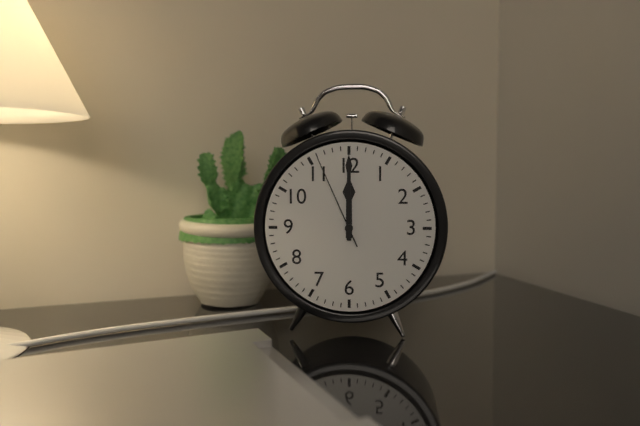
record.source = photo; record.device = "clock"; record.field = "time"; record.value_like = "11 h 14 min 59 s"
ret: 12 h 00 min 56 s
